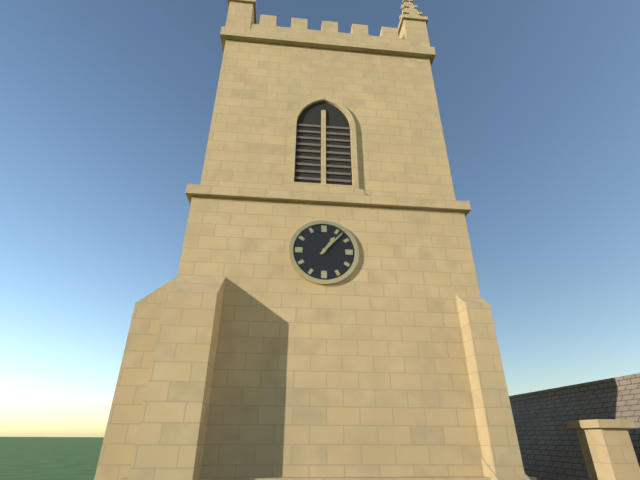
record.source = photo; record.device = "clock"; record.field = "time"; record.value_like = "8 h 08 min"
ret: 1 h 07 min
